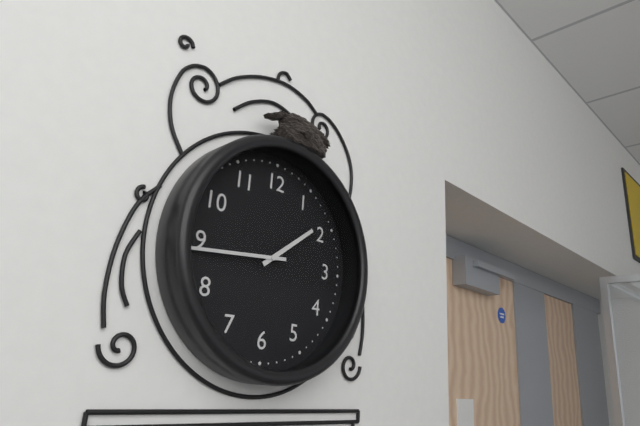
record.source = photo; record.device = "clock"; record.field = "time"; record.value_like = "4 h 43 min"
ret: 1 h 44 min
